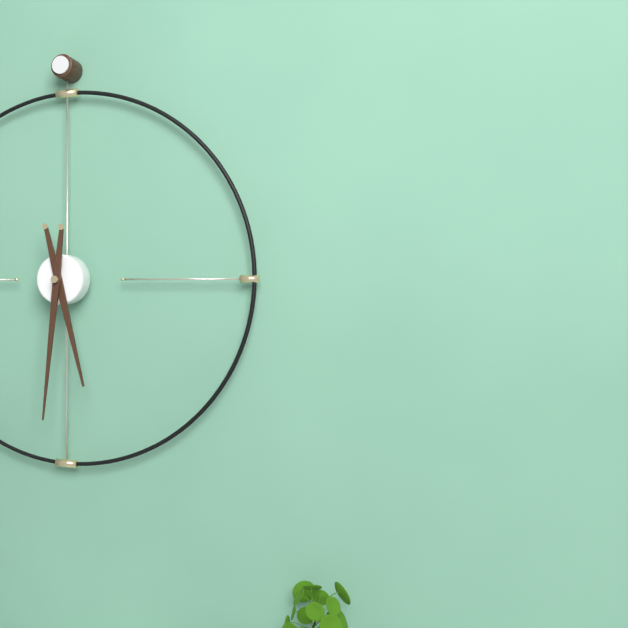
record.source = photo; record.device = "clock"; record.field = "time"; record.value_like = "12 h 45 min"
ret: 5 h 31 min
